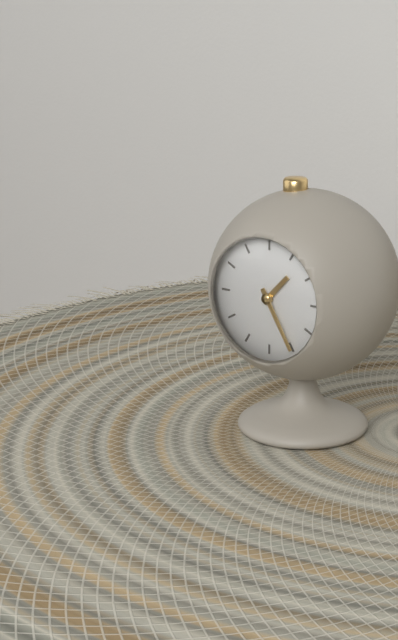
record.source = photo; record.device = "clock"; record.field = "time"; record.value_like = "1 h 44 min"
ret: 1 h 25 min
